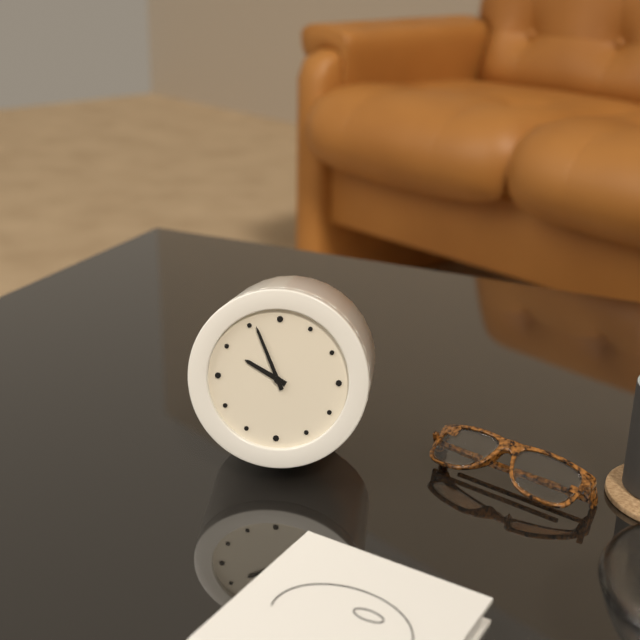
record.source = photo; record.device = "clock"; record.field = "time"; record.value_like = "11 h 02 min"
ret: 9 h 56 min
